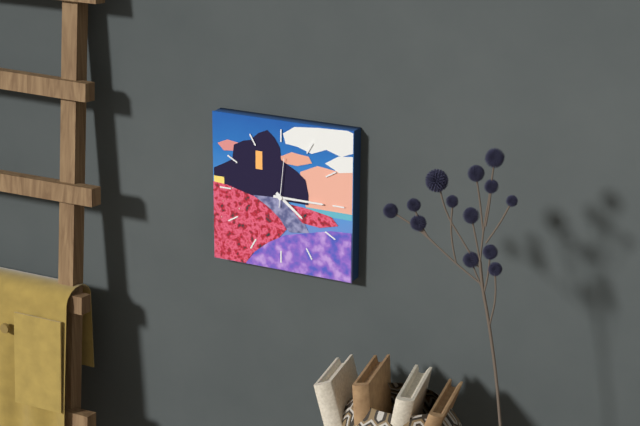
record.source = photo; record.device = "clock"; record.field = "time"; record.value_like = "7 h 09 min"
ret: 4 h 15 min
